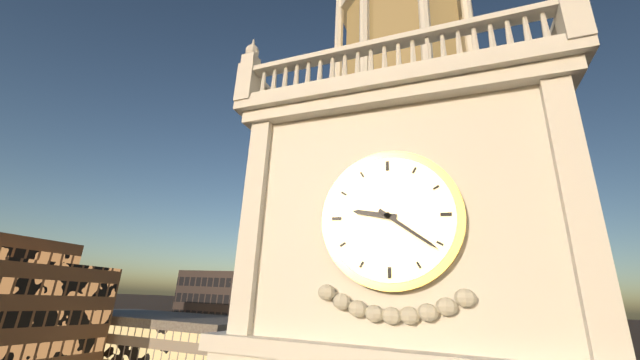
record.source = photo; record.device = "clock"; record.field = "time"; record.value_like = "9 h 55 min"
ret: 9 h 21 min
